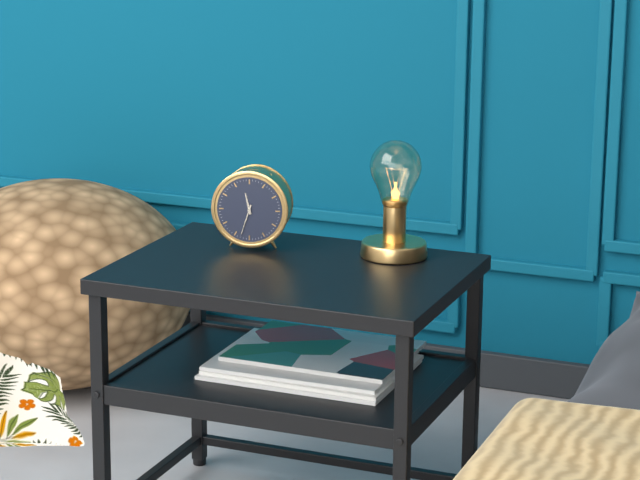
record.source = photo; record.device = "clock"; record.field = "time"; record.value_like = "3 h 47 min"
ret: 11 h 33 min
